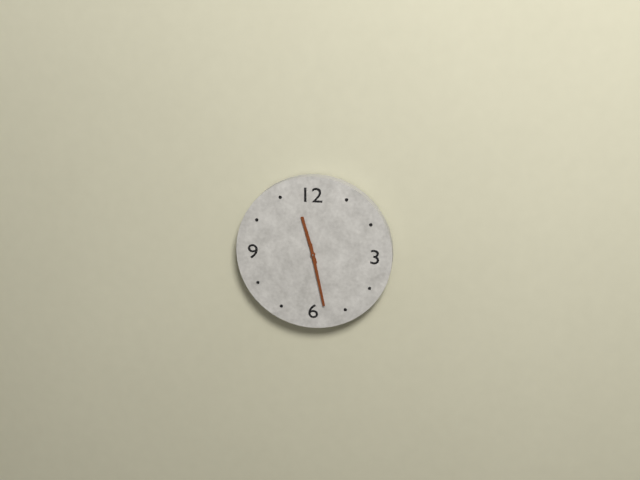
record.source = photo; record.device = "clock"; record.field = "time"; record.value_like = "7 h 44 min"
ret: 11 h 28 min
